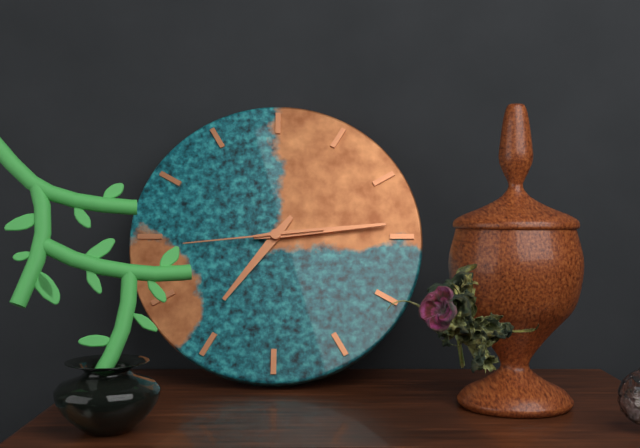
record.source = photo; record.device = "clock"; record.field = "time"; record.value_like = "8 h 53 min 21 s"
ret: 7 h 14 min 44 s
